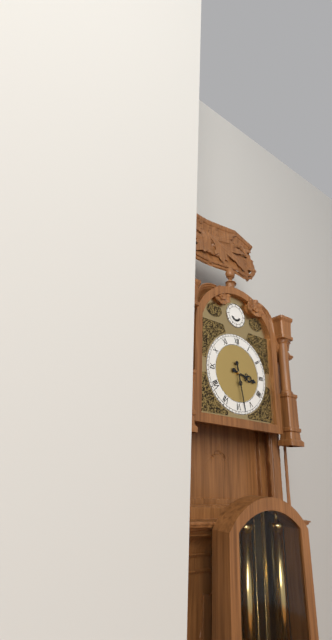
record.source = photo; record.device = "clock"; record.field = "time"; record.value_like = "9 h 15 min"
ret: 3 h 28 min
